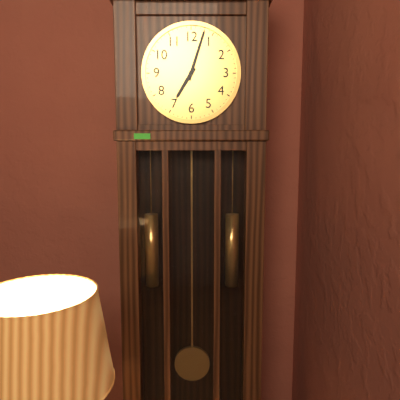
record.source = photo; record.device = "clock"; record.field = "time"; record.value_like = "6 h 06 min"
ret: 7 h 03 min
